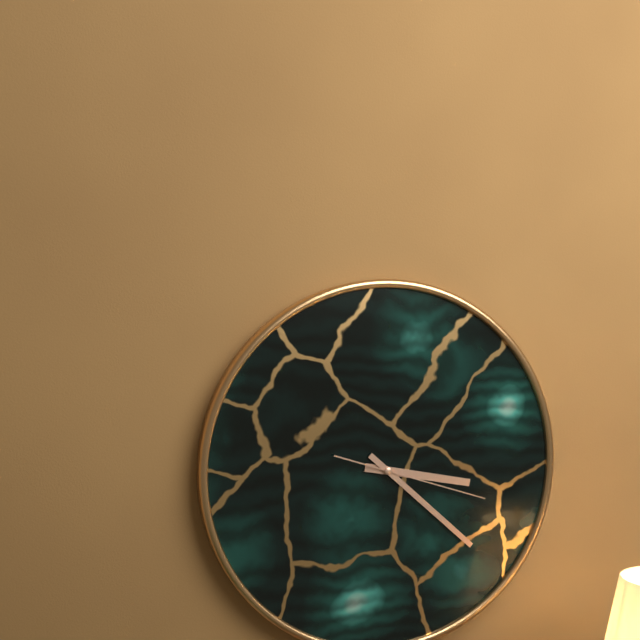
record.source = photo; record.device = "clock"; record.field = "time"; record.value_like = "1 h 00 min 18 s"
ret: 3 h 22 min 18 s
